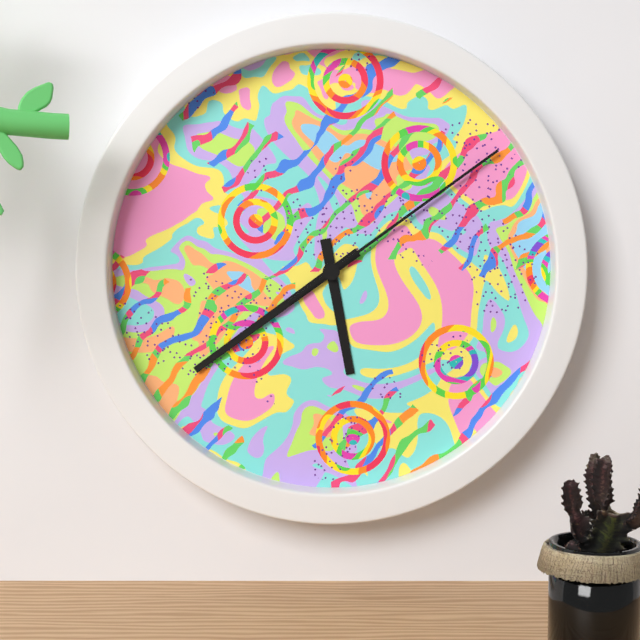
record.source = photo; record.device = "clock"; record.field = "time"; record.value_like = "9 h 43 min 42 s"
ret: 5 h 39 min 09 s
